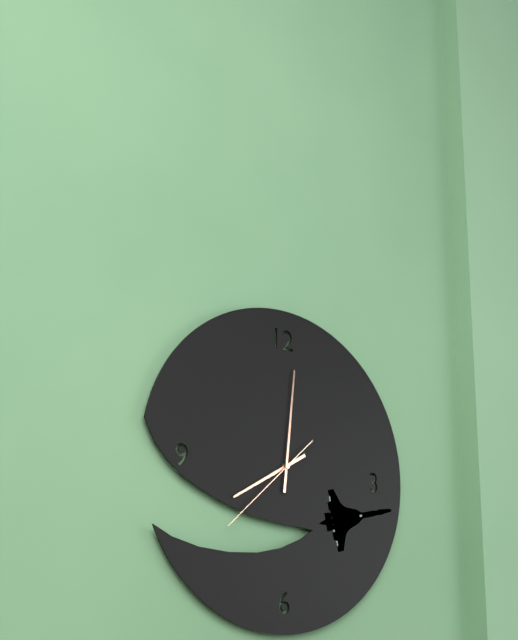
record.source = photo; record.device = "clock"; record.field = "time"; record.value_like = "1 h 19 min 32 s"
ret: 8 h 01 min 38 s
